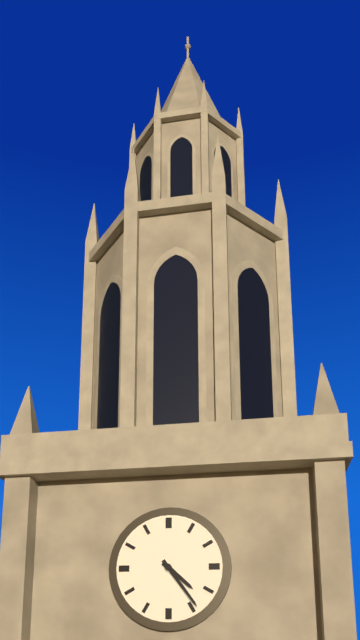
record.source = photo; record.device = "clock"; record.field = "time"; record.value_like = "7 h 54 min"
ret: 4 h 24 min
